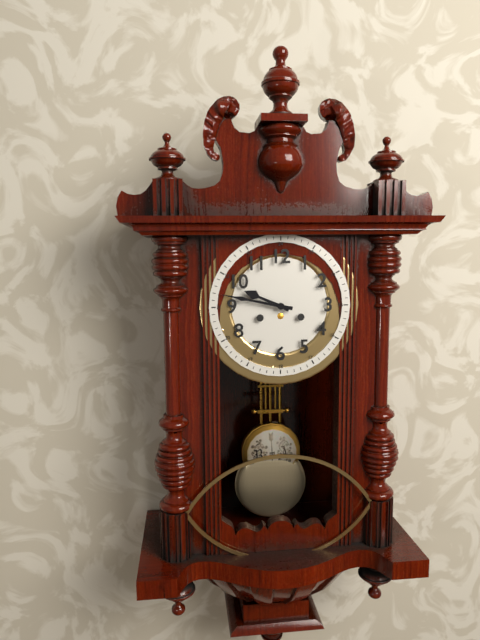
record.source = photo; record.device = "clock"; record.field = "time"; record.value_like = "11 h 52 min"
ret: 9 h 47 min
